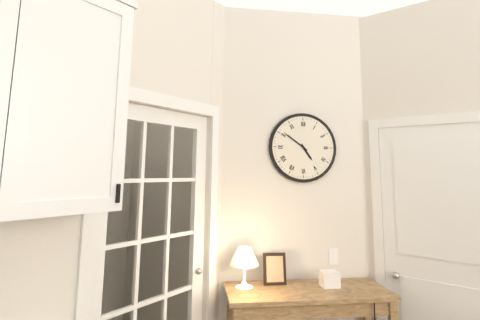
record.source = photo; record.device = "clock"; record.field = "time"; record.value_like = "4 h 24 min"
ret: 4 h 51 min
